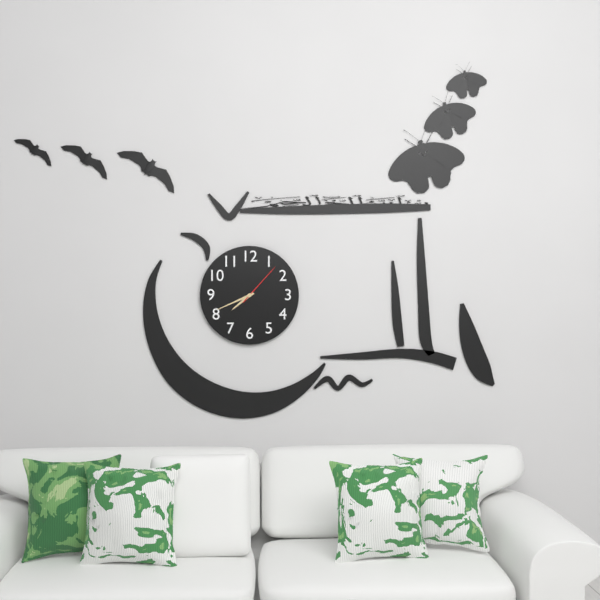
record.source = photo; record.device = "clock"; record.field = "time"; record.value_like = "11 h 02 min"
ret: 7 h 41 min
